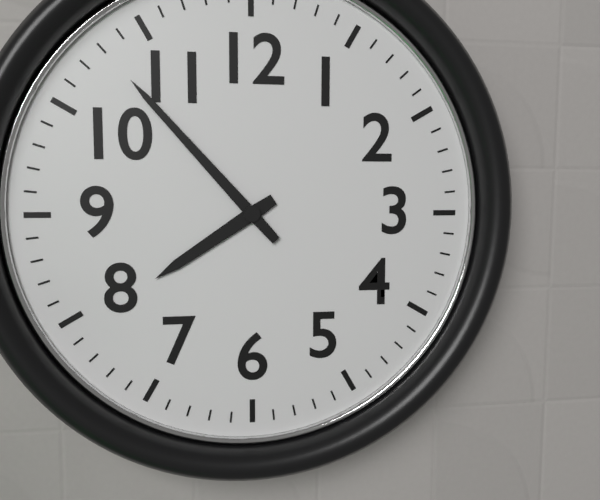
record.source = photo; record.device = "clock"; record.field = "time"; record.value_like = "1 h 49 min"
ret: 7 h 53 min
